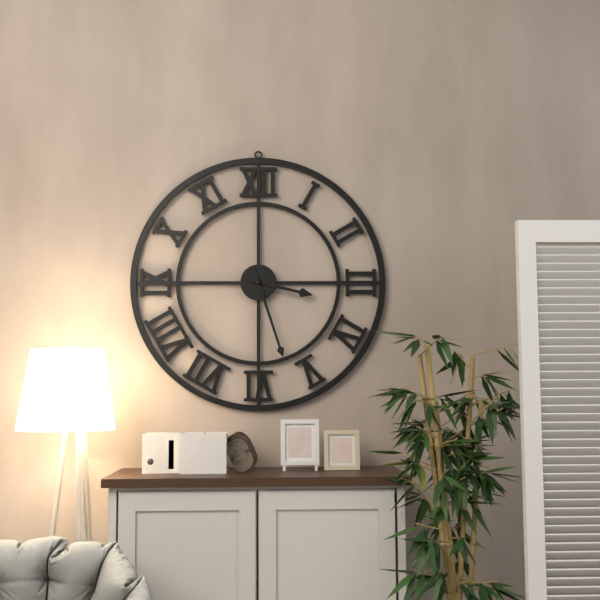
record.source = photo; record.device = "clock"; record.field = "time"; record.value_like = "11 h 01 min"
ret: 3 h 27 min
